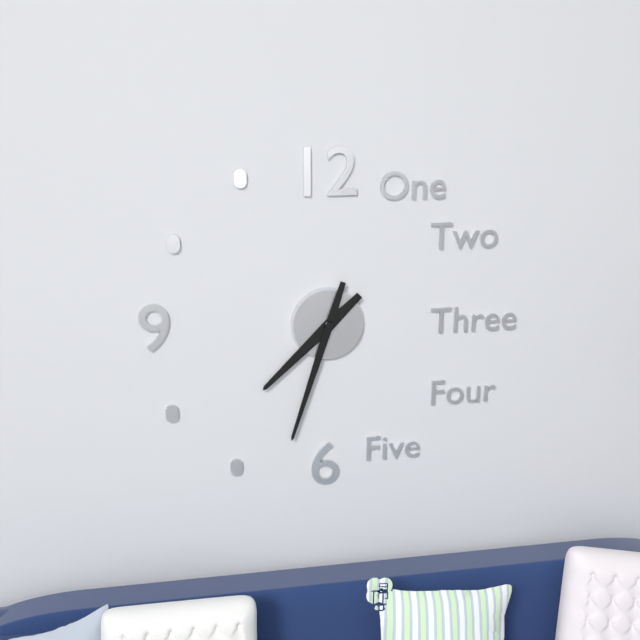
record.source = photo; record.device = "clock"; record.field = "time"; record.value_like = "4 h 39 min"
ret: 7 h 33 min
